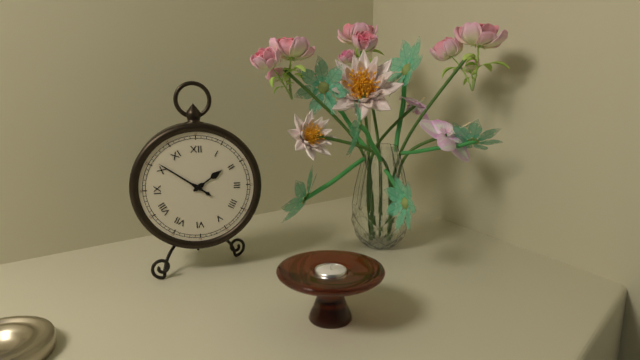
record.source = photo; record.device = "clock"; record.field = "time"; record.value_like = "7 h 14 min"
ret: 1 h 51 min
